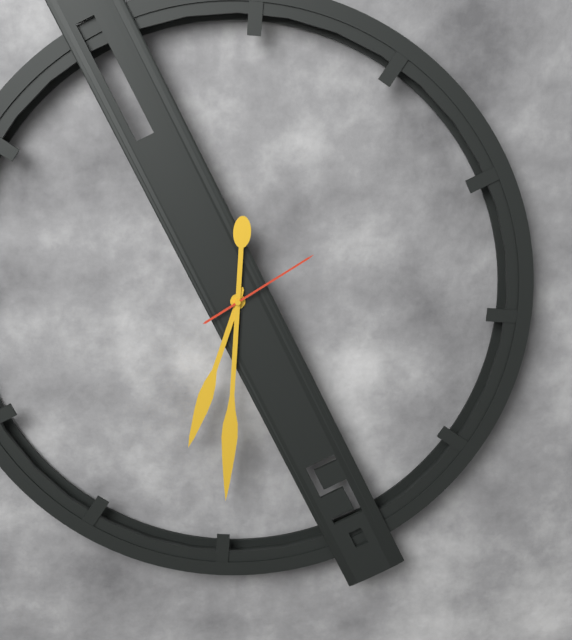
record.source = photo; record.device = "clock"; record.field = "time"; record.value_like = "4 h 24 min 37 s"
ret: 6 h 30 min 09 s
